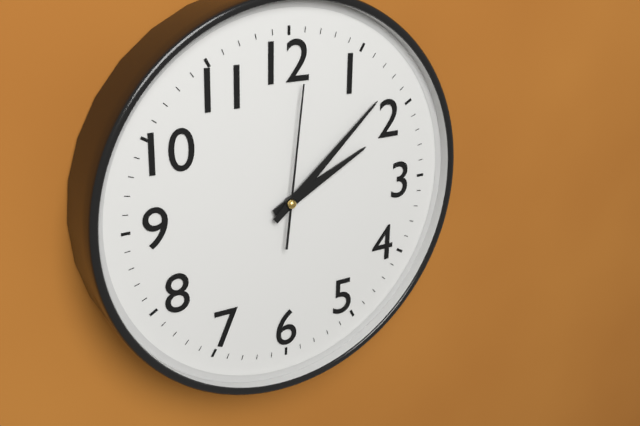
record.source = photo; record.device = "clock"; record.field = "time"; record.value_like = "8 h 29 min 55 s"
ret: 2 h 08 min 01 s
